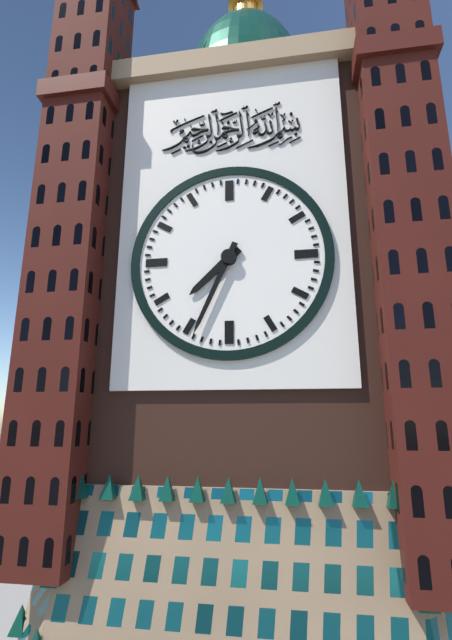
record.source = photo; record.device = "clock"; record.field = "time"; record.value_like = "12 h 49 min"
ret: 7 h 34 min
